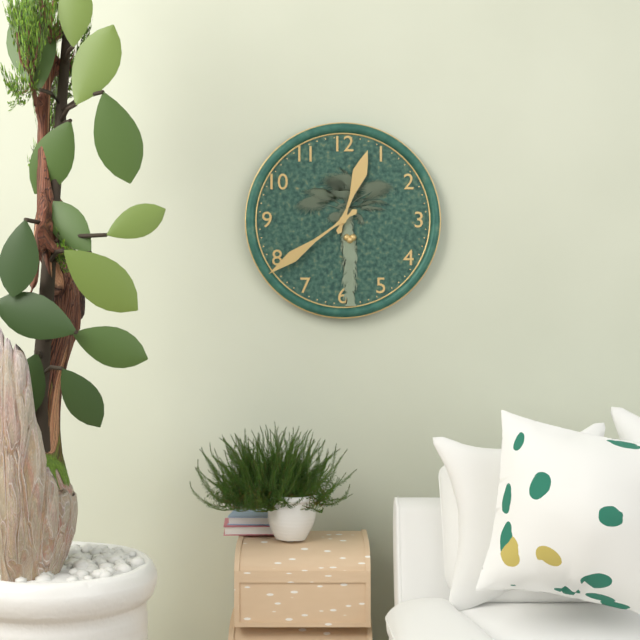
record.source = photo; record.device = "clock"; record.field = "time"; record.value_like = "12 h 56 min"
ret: 12 h 39 min
